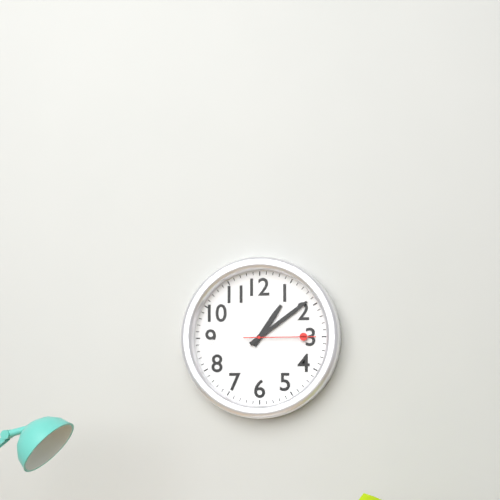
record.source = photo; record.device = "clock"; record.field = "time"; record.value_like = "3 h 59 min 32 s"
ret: 1 h 09 min 15 s
